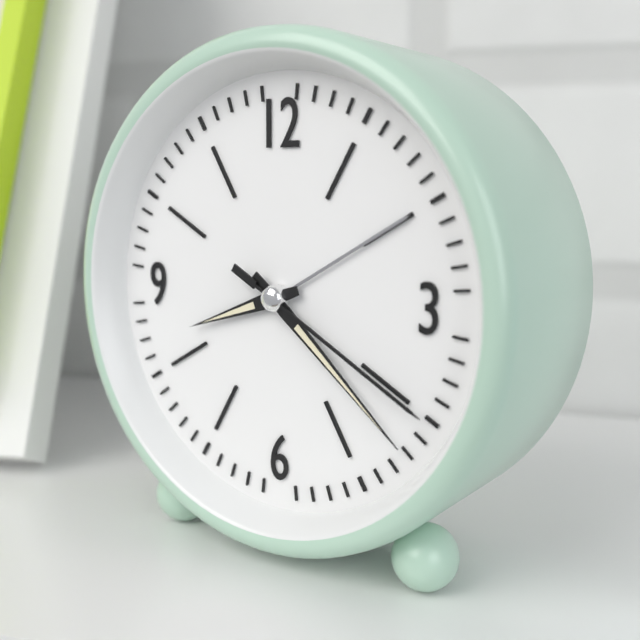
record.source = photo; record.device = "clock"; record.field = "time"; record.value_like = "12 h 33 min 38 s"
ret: 8 h 22 min 20 s
